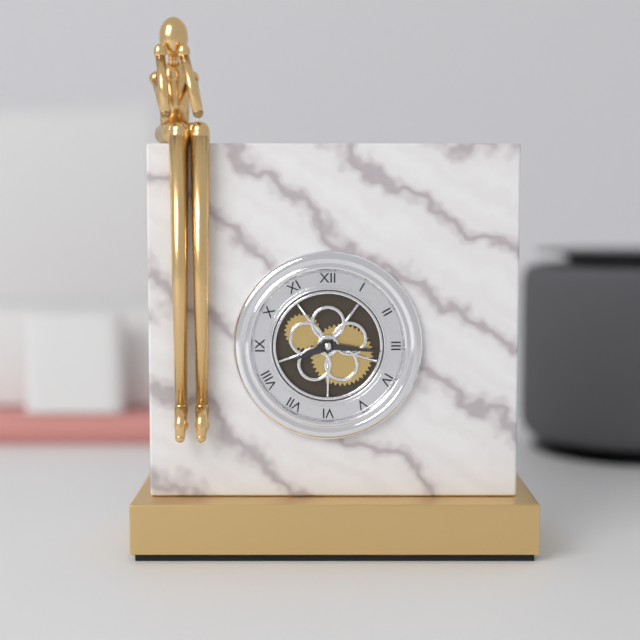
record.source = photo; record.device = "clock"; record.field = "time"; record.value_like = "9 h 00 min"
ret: 8 h 16 min
